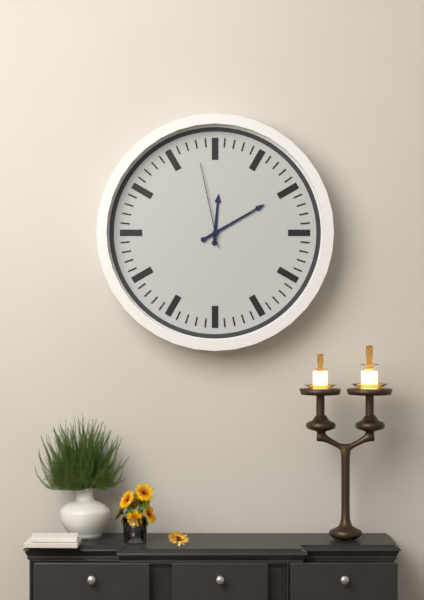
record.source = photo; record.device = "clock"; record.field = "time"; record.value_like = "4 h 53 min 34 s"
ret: 12 h 10 min 58 s
